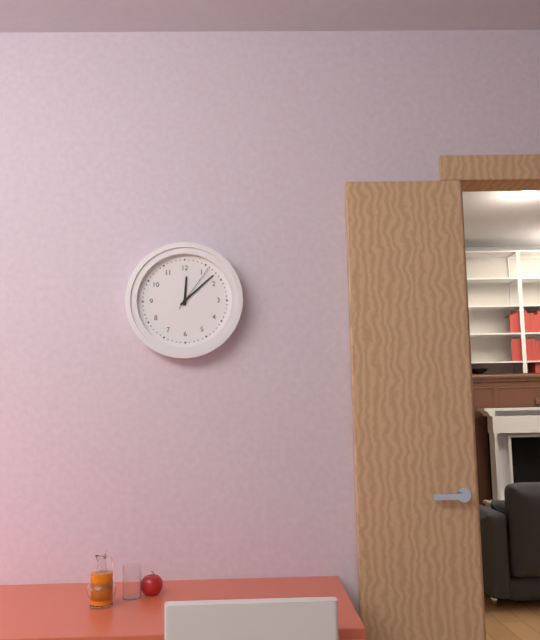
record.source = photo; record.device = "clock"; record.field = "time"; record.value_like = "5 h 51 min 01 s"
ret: 12 h 08 min 06 s
